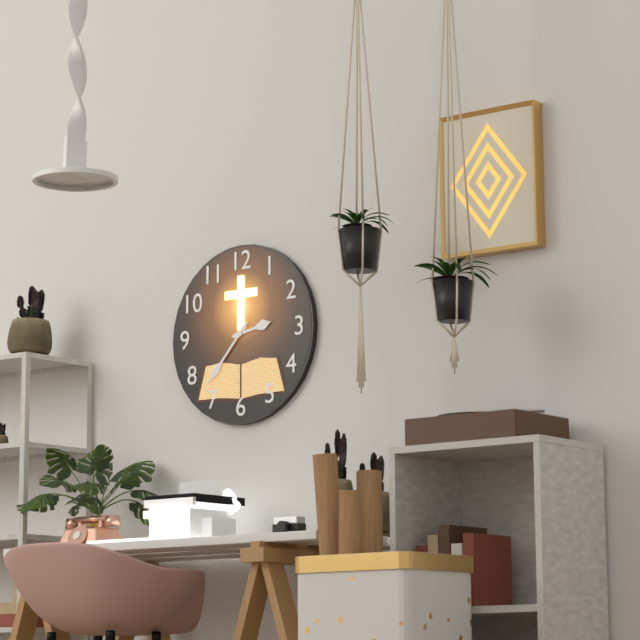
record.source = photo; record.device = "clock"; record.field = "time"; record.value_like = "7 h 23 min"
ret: 2 h 37 min
